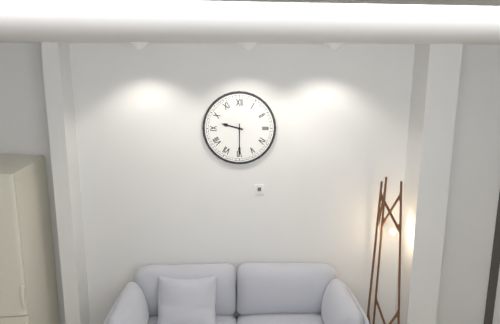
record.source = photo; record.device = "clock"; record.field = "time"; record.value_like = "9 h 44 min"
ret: 9 h 30 min
